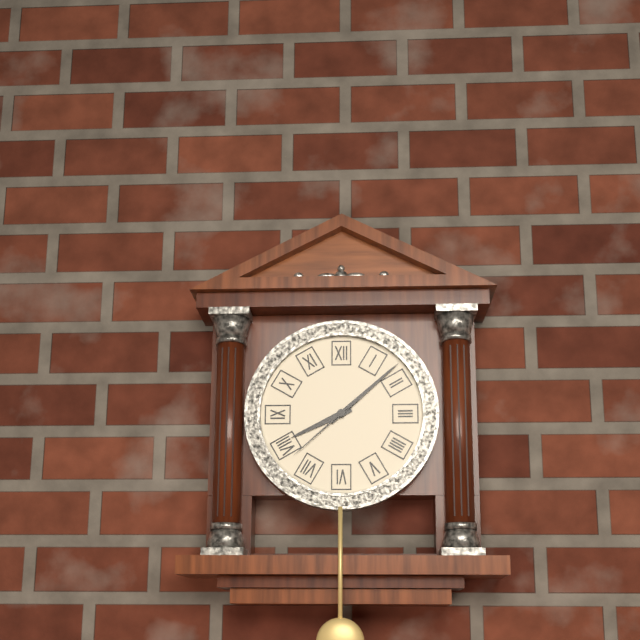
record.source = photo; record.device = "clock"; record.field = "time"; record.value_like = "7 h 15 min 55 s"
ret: 8 h 08 min 38 s
